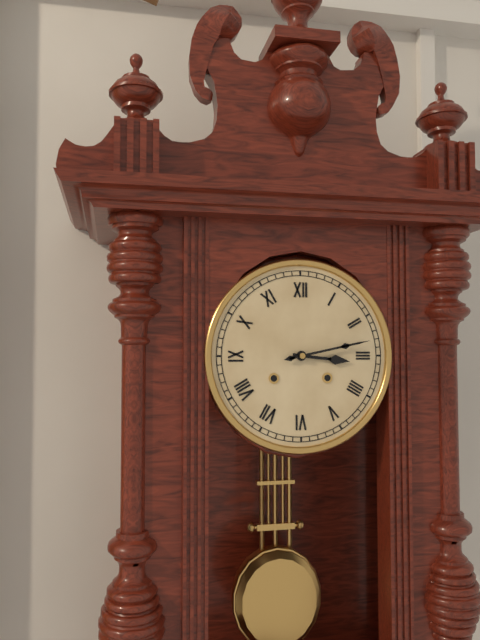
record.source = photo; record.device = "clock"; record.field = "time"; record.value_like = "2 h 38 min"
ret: 3 h 13 min
